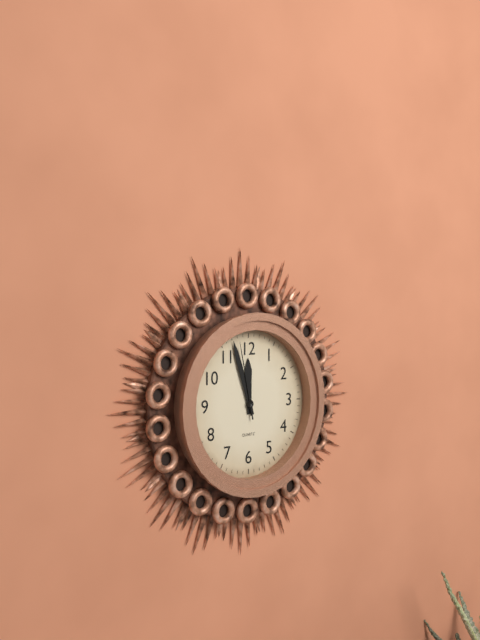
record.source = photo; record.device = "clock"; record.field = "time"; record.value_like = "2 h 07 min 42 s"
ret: 11 h 57 min 58 s
